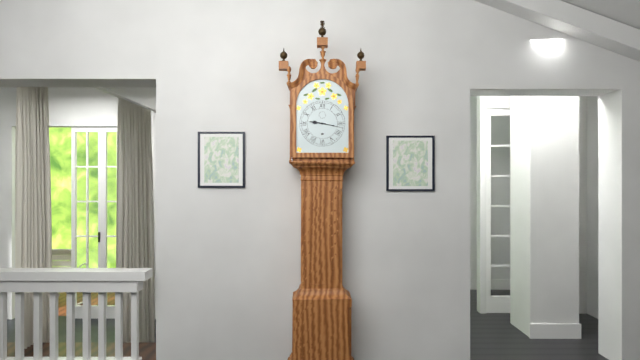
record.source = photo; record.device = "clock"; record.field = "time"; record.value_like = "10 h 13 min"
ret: 9 h 17 min
